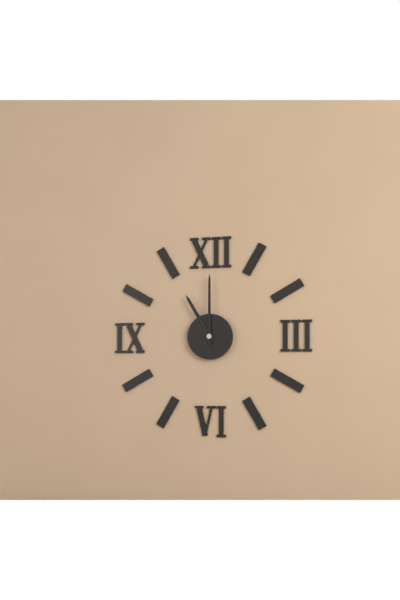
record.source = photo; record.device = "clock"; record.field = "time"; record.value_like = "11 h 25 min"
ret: 11 h 00 min
